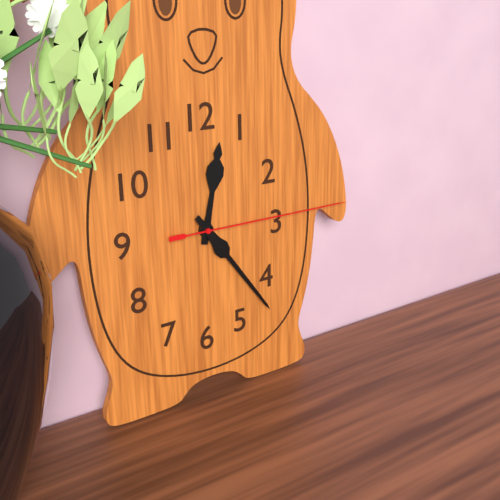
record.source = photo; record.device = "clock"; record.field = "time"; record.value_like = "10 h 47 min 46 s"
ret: 12 h 24 min 15 s
